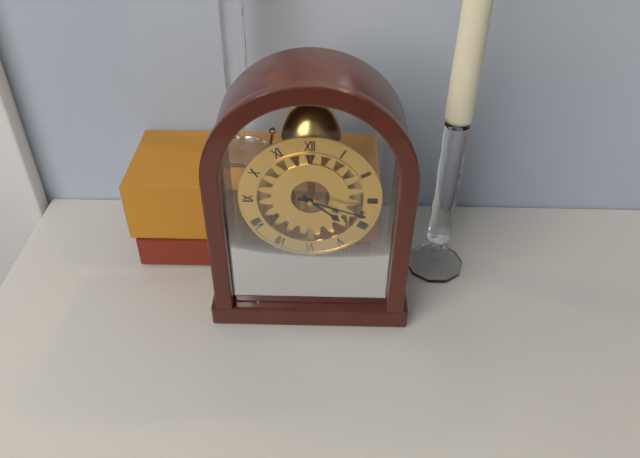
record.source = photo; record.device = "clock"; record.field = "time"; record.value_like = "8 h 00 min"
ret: 4 h 18 min
